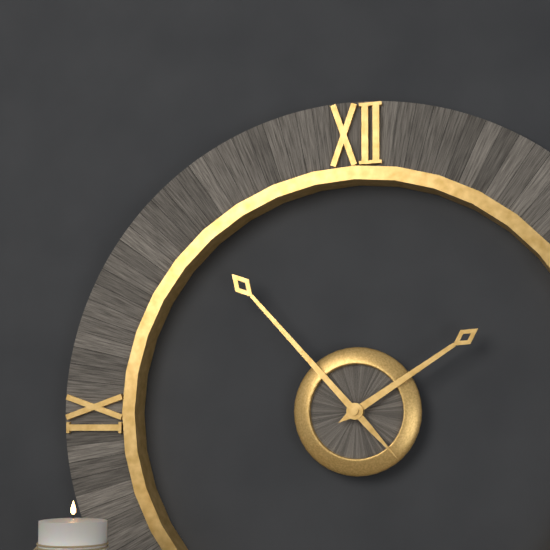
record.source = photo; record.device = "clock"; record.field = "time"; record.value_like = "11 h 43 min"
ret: 1 h 53 min
